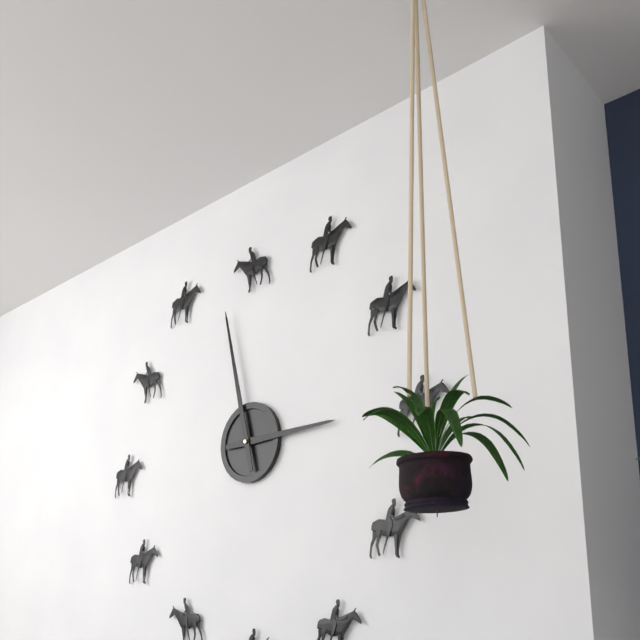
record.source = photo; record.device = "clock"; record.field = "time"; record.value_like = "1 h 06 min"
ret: 2 h 58 min
